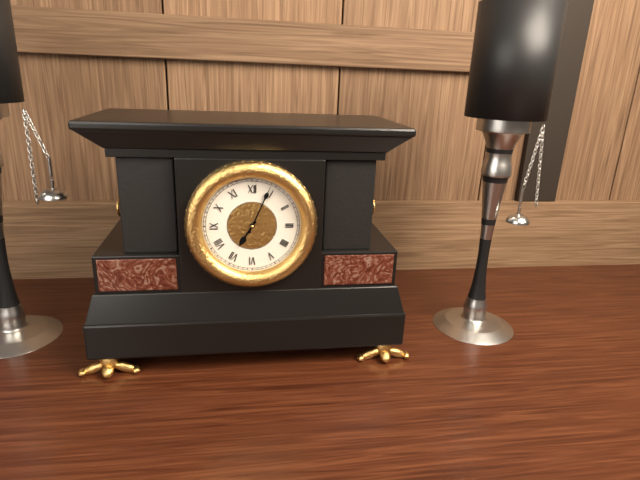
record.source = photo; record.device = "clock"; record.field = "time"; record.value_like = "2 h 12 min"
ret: 7 h 04 min
